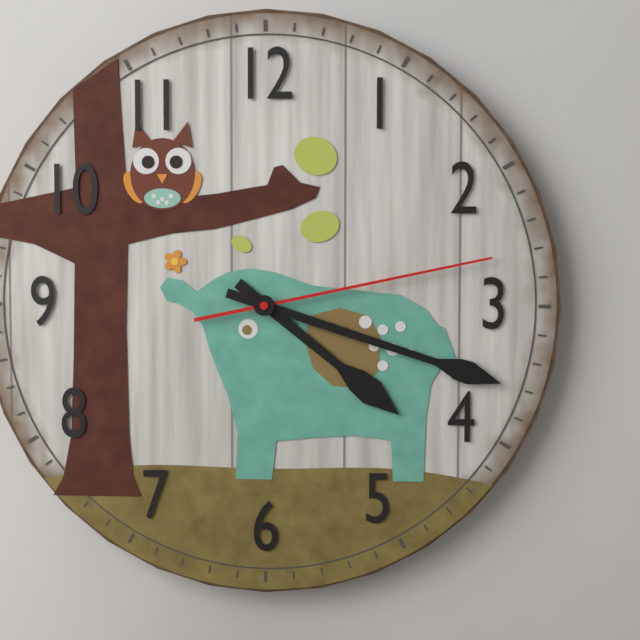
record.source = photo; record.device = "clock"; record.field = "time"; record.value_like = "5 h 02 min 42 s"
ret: 4 h 18 min 13 s
